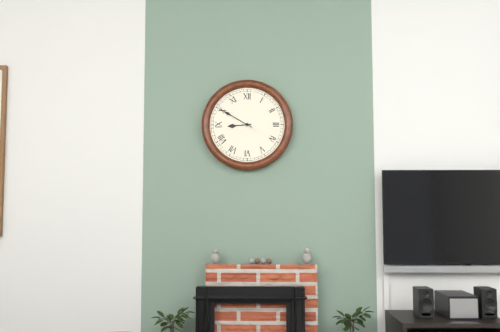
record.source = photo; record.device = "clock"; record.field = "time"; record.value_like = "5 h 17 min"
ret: 8 h 50 min
